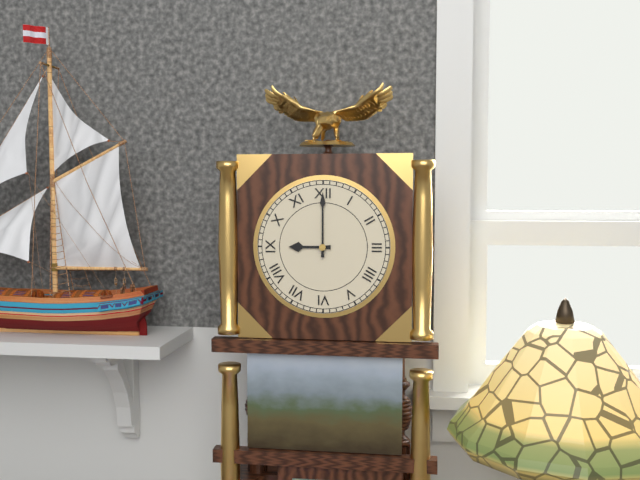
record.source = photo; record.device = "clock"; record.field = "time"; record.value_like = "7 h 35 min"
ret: 9 h 00 min
